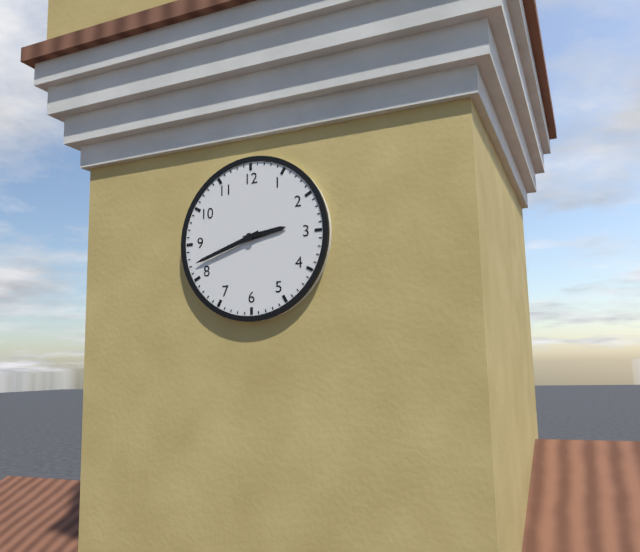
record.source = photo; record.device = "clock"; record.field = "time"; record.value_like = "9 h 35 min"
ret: 2 h 42 min
